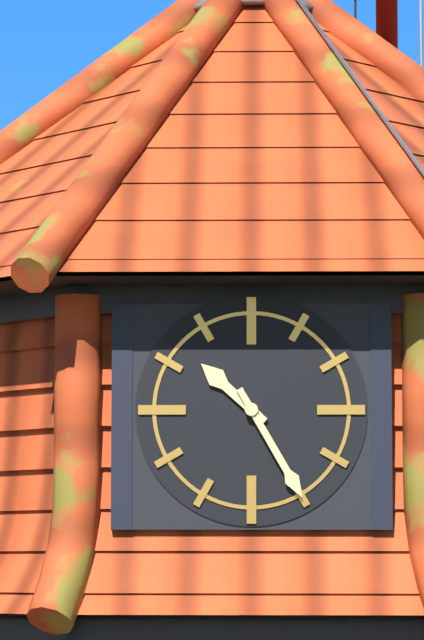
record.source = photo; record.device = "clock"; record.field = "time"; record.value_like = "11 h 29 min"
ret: 10 h 25 min
